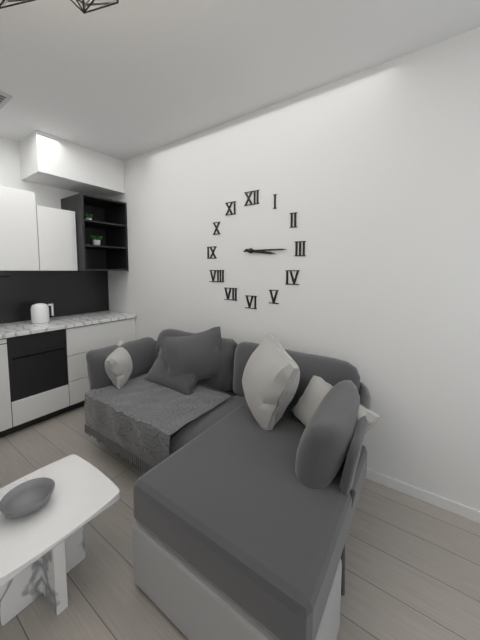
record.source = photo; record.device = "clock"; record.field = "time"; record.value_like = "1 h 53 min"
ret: 3 h 15 min
